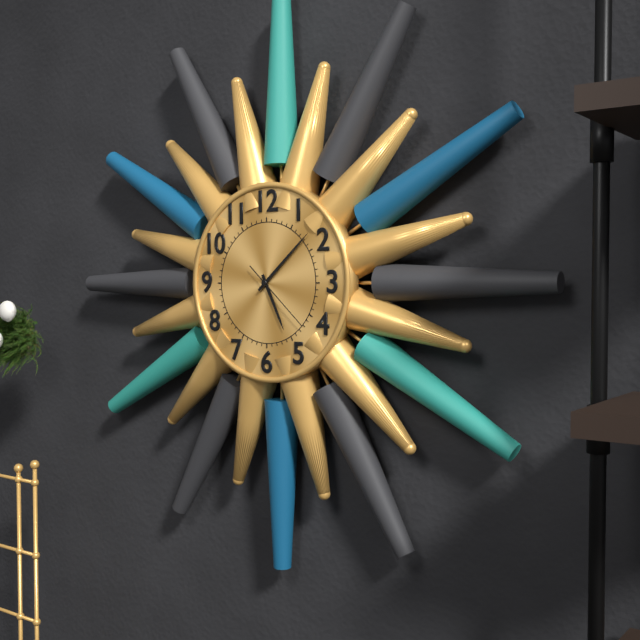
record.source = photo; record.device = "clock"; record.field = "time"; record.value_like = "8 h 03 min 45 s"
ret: 5 h 08 min 22 s
